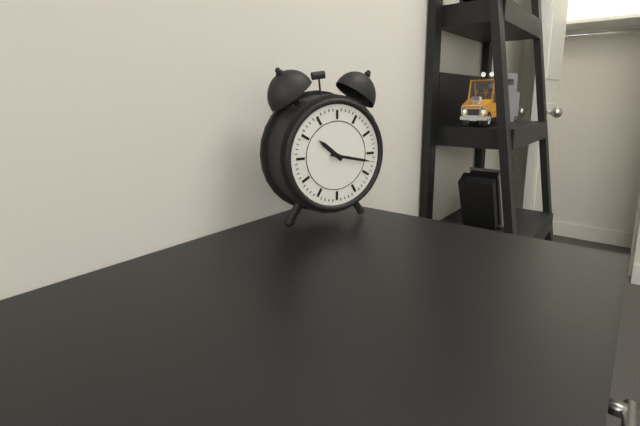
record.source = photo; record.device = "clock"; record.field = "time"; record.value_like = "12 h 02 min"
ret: 10 h 17 min
